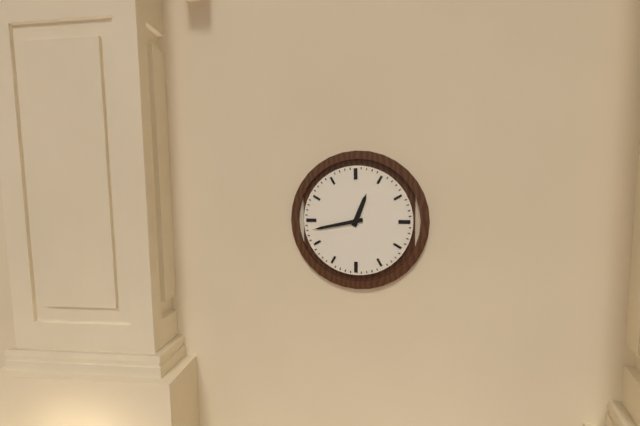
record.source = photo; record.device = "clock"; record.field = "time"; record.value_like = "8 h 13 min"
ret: 12 h 43 min
